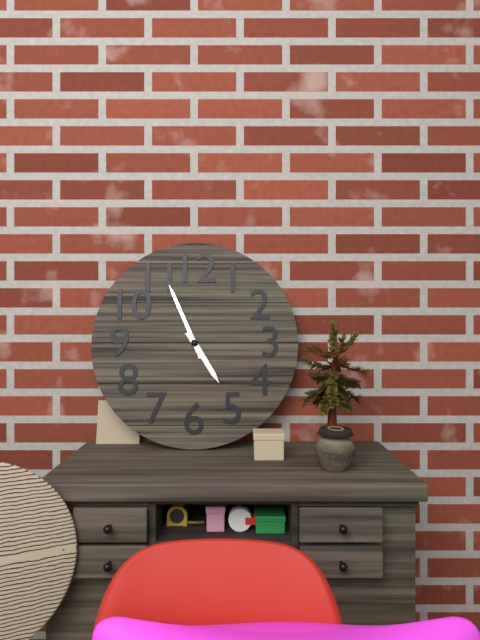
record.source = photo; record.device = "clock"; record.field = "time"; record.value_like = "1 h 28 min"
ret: 4 h 56 min
